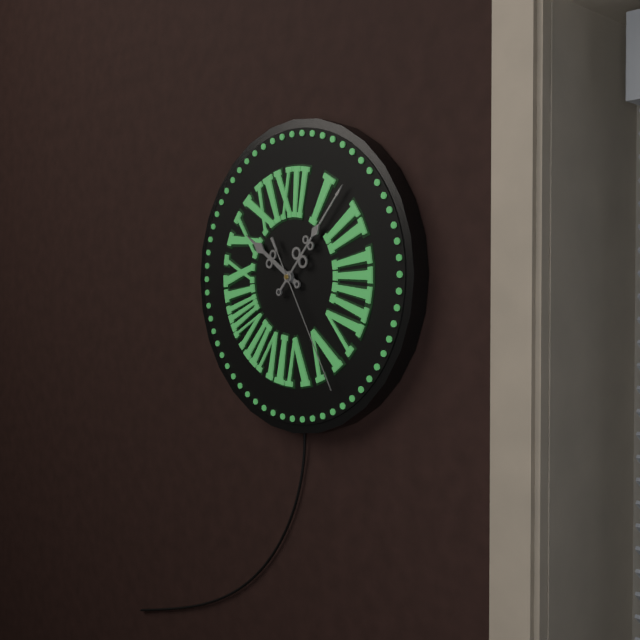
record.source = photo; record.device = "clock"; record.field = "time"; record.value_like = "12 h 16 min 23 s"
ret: 10 h 07 min 25 s
